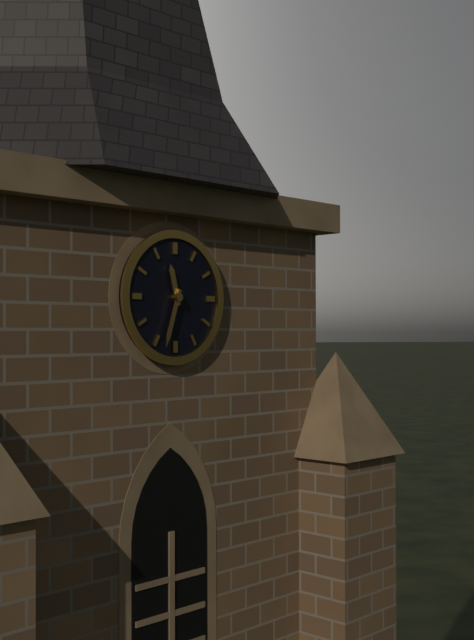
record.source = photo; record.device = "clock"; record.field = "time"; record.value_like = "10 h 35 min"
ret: 11 h 33 min
